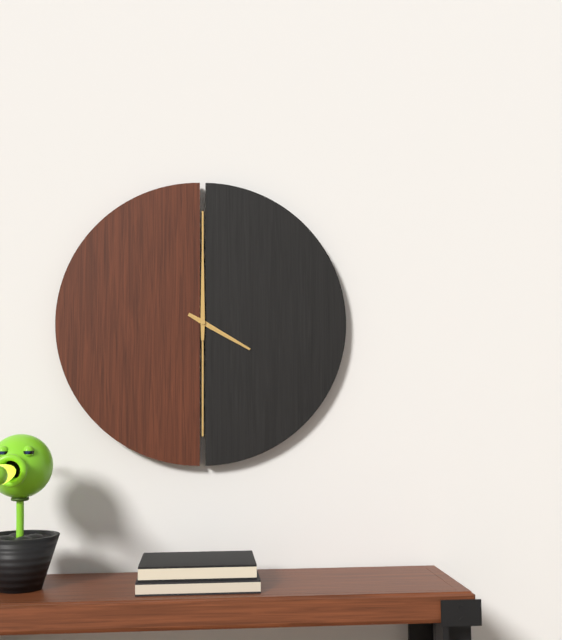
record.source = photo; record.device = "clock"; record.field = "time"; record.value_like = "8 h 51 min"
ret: 4 h 00 min
